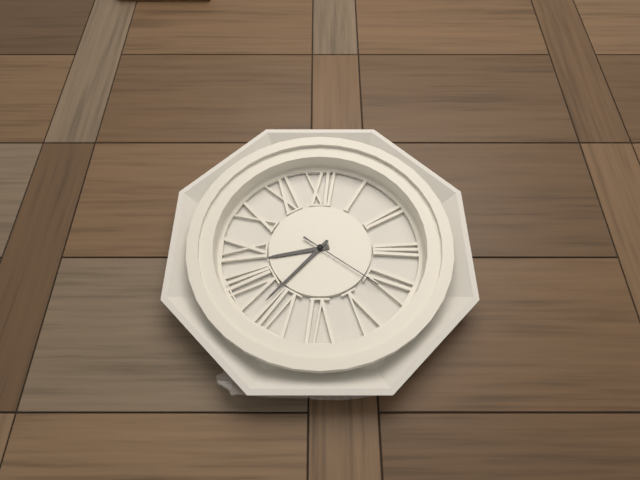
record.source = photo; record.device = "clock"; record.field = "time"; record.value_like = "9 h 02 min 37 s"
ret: 8 h 37 min 21 s
